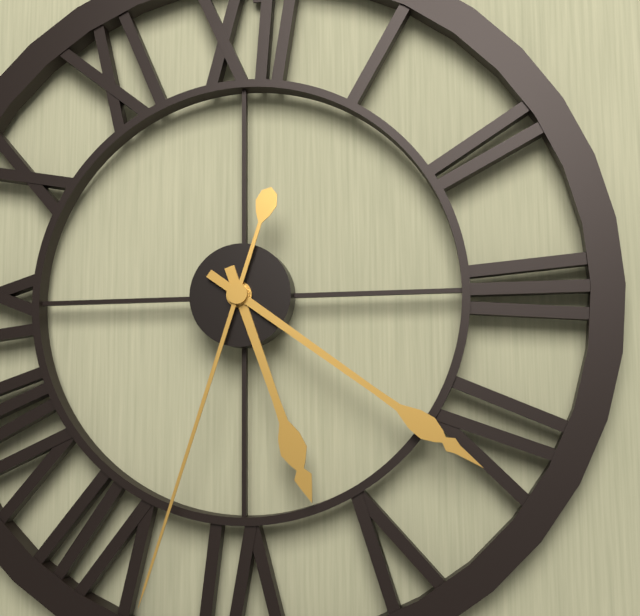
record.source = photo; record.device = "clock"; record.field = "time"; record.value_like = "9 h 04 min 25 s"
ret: 5 h 21 min 33 s
